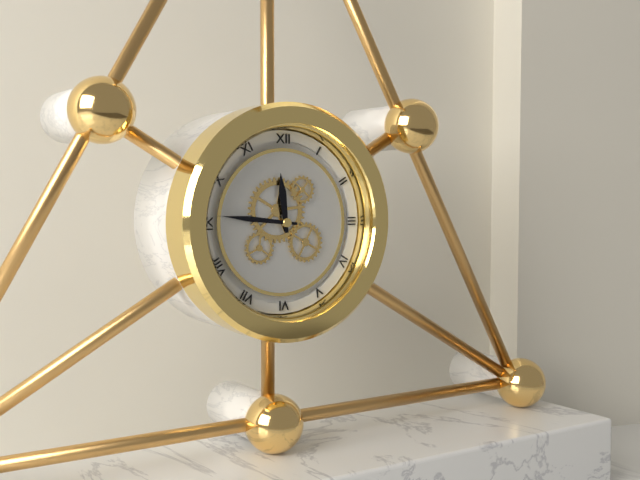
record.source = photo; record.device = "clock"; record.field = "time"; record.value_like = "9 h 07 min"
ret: 11 h 46 min
